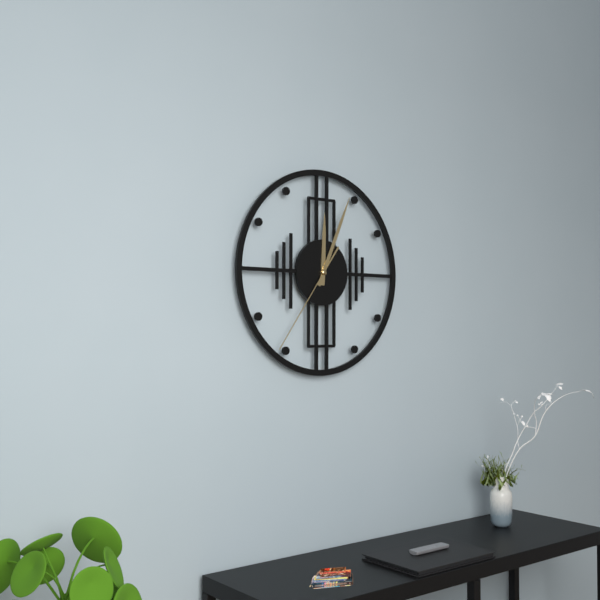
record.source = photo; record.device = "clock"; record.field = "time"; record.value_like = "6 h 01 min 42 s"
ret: 12 h 04 min 36 s
